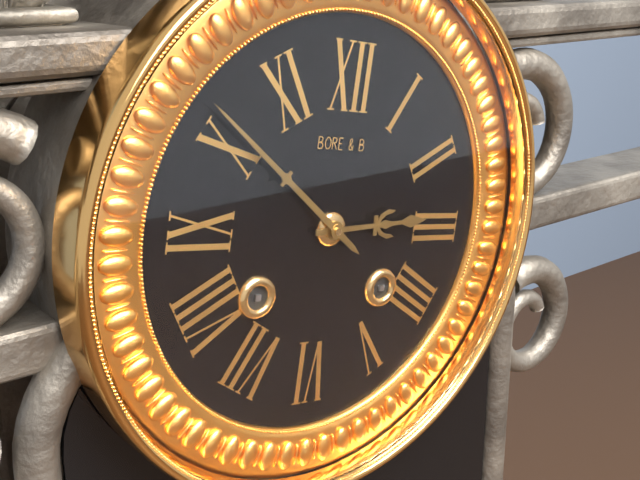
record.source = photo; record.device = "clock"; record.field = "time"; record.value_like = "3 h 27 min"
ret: 2 h 51 min
